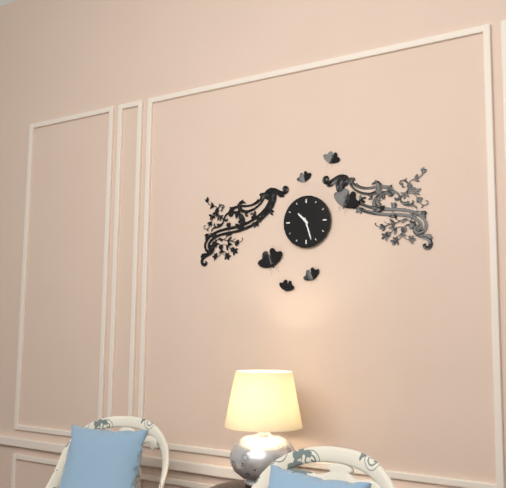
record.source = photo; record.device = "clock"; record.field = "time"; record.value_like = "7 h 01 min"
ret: 10 h 27 min
